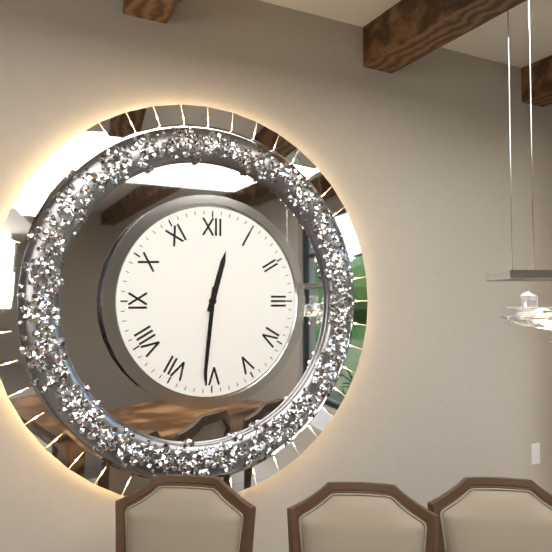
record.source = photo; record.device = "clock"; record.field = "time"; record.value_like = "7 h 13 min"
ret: 12 h 31 min
